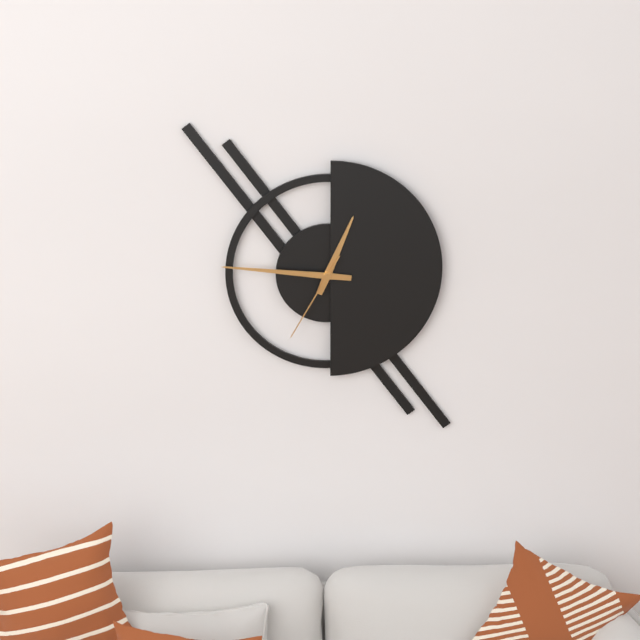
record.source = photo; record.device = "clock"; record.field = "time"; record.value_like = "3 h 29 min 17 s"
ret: 12 h 46 min 35 s
